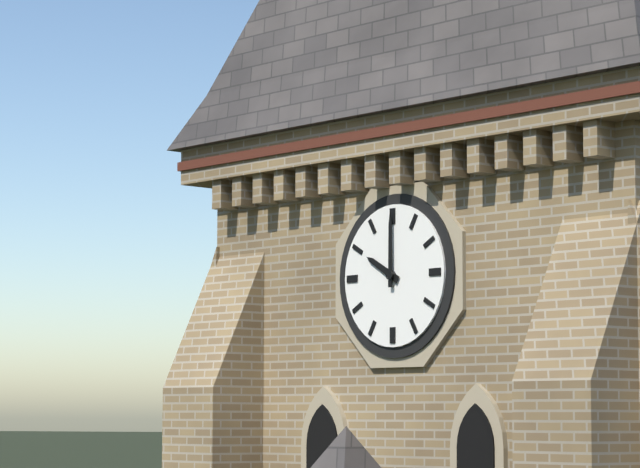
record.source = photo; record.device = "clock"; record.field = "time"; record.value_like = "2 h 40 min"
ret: 10 h 00 min
